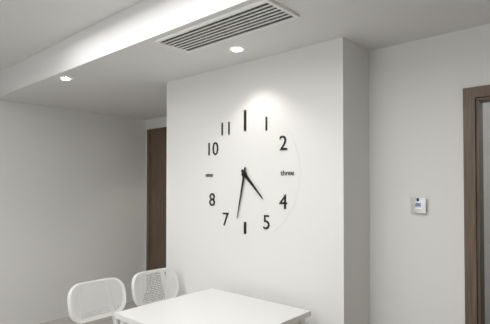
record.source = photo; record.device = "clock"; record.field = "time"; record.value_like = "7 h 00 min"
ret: 4 h 32 min
